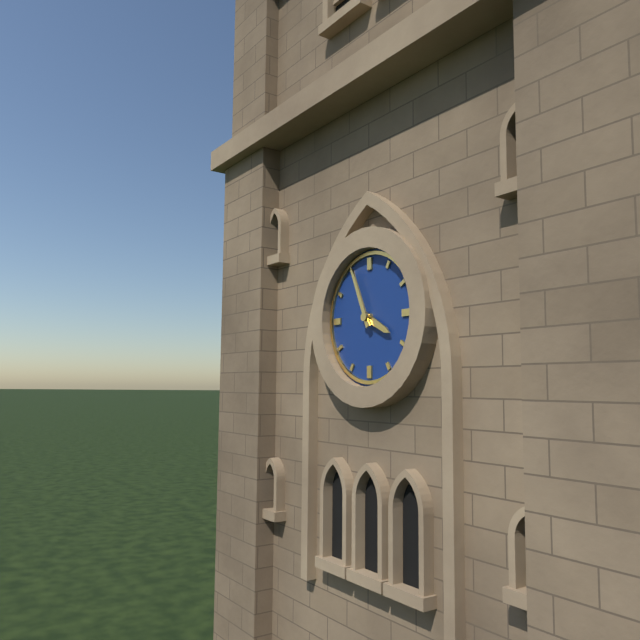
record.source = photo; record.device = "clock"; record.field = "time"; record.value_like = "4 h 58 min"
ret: 3 h 56 min
